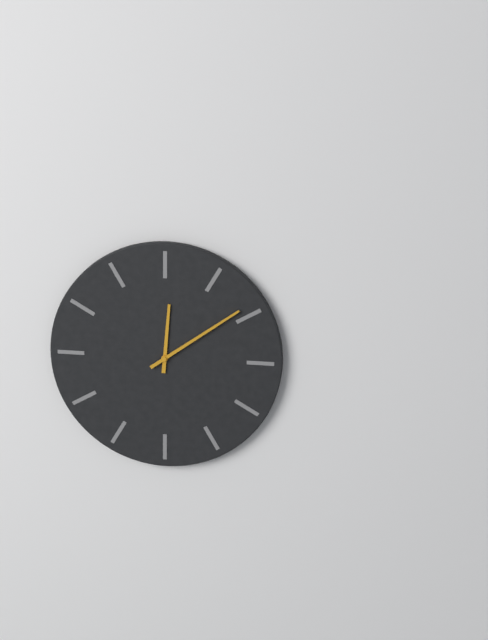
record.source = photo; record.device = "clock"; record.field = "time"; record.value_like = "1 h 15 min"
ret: 12 h 09 min
